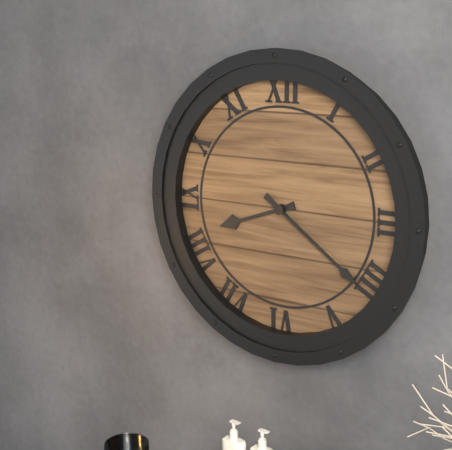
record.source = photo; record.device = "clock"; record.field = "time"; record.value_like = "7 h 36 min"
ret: 8 h 21 min
